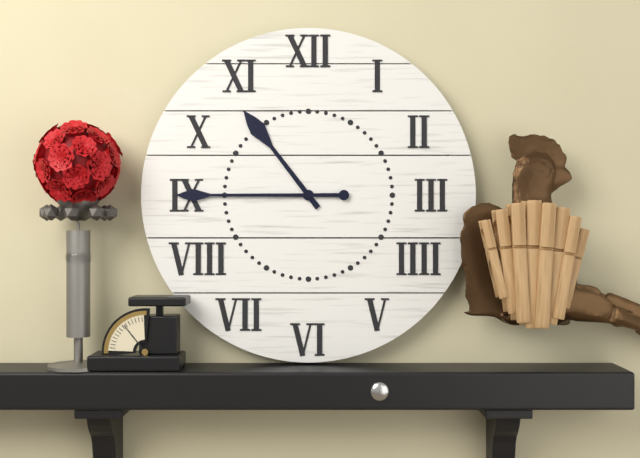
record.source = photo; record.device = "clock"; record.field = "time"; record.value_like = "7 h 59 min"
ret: 10 h 45 min
